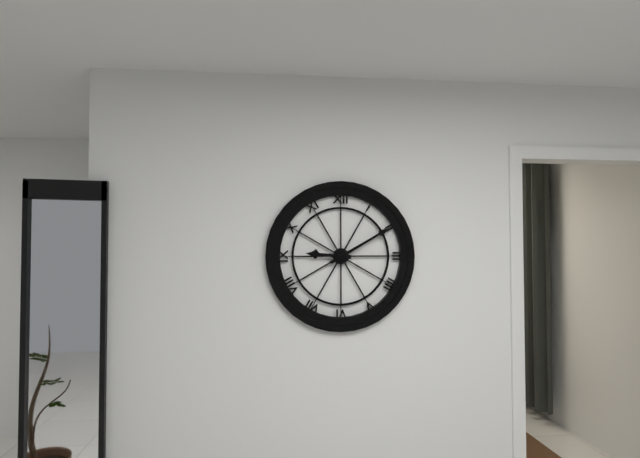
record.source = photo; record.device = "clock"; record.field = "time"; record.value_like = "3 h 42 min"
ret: 9 h 10 min
